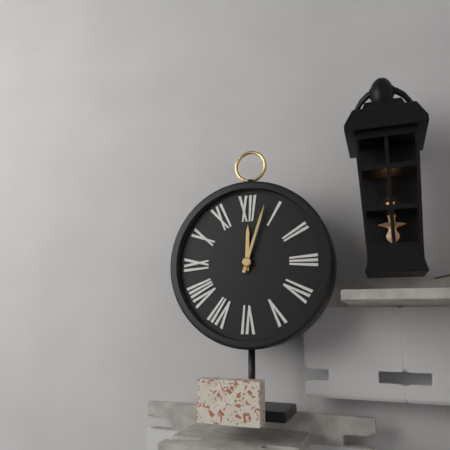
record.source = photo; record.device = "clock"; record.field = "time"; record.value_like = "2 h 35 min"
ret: 12 h 03 min
